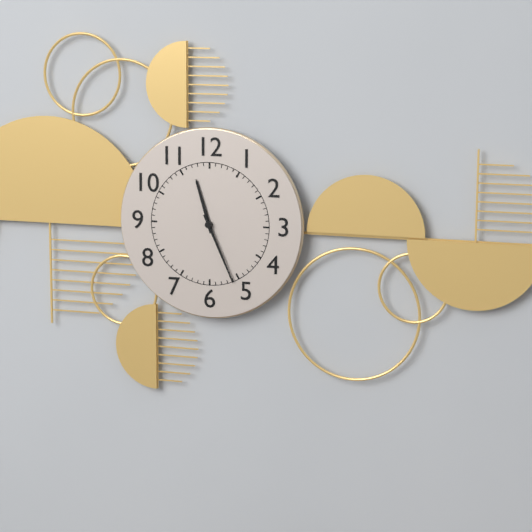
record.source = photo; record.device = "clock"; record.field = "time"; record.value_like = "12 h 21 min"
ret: 11 h 26 min
